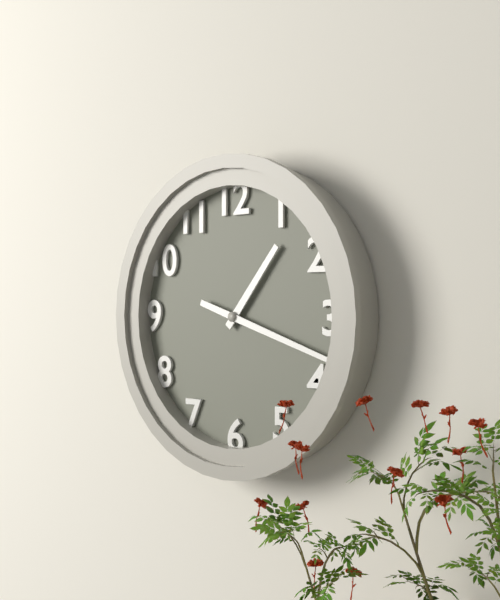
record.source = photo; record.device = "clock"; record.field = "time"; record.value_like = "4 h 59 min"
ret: 1 h 18 min
